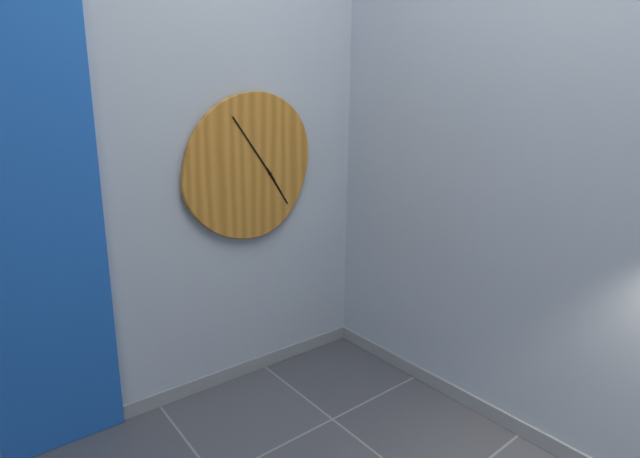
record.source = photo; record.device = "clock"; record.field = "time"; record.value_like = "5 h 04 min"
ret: 4 h 54 min
